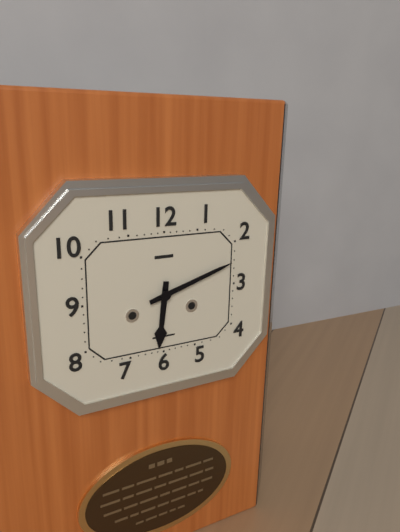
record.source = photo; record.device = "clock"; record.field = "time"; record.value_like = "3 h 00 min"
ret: 6 h 12 min
